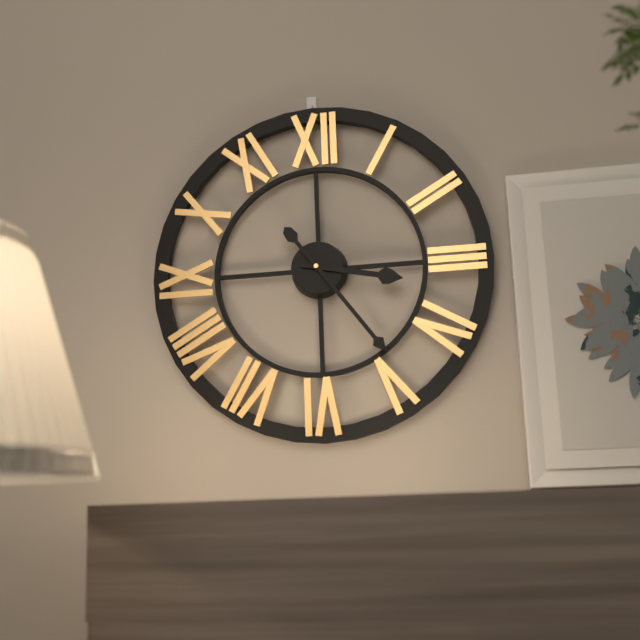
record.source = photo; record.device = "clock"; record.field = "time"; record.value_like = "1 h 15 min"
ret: 3 h 24 min
